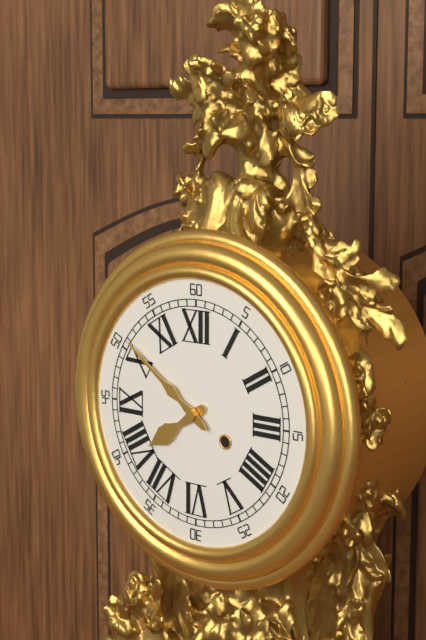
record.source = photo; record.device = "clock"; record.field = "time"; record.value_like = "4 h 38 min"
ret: 7 h 51 min
